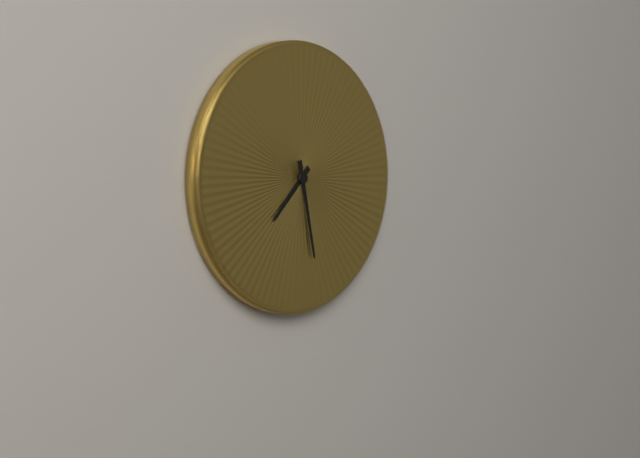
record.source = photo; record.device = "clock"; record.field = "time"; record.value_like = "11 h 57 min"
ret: 7 h 28 min
